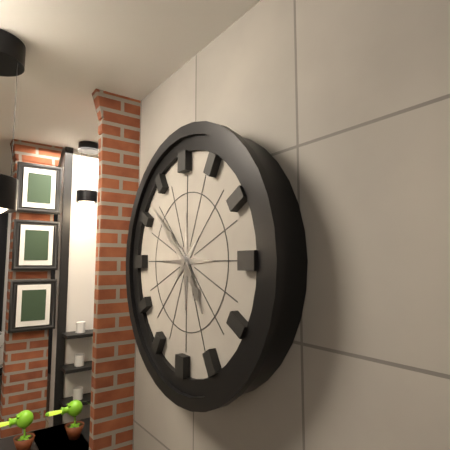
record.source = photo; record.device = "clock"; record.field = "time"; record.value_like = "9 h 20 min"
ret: 4 h 52 min
